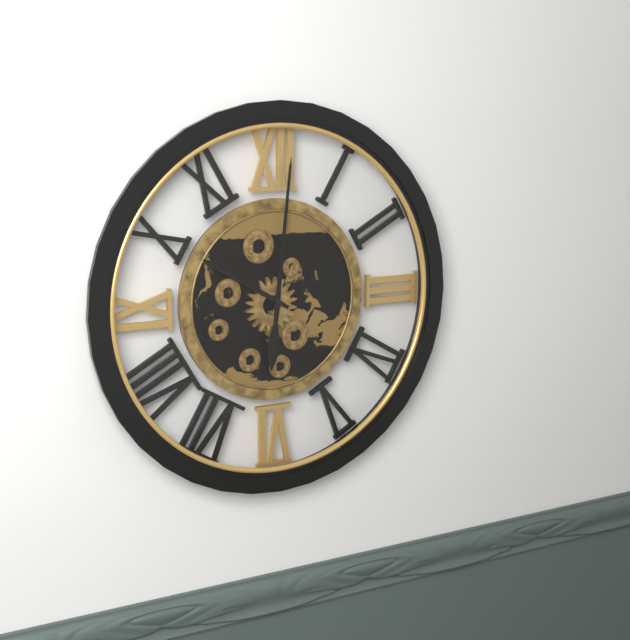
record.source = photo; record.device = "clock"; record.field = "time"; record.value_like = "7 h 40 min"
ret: 10 h 01 min
